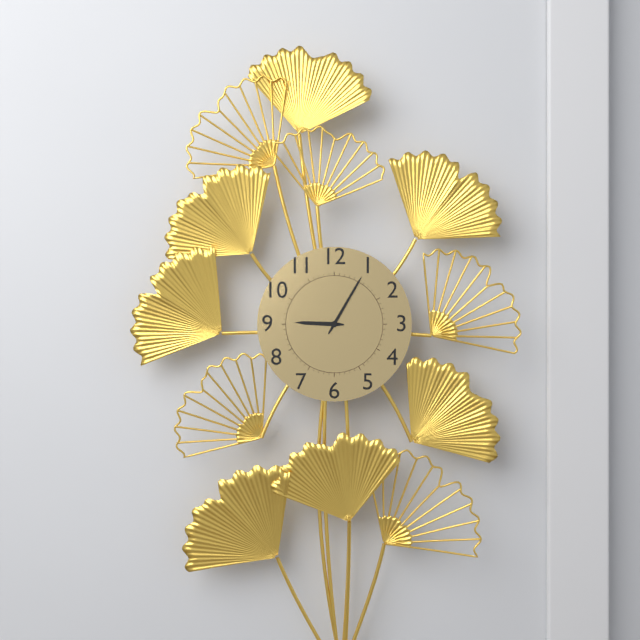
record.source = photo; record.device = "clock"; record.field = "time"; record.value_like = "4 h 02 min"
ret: 9 h 05 min
